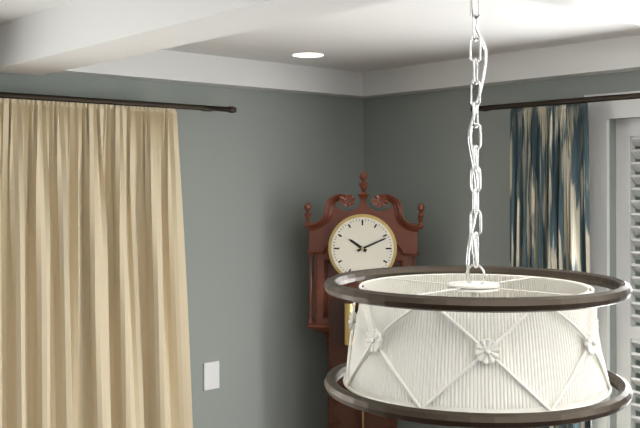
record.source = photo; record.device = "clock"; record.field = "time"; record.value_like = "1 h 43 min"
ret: 10 h 11 min
